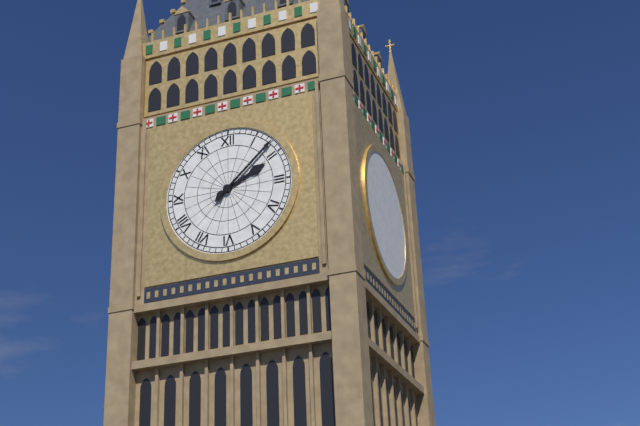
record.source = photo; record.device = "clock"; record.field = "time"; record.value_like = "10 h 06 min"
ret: 2 h 08 min
